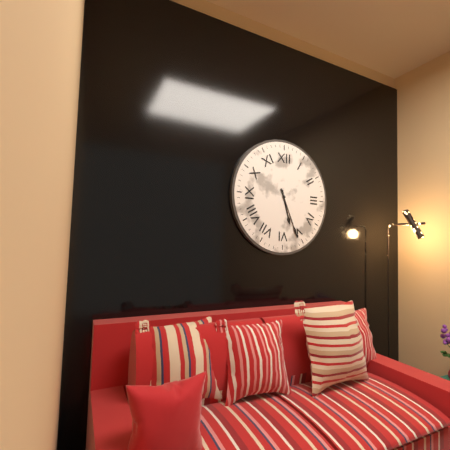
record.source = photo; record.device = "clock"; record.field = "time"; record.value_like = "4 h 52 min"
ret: 5 h 26 min
